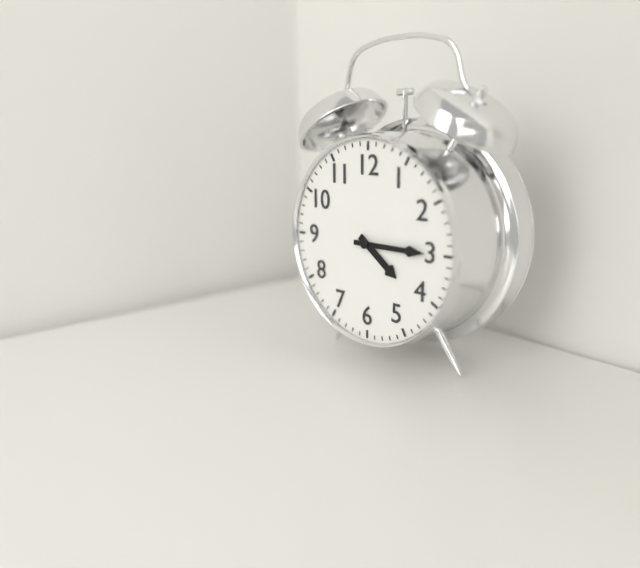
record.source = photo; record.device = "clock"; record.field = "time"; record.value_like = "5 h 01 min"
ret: 4 h 15 min
